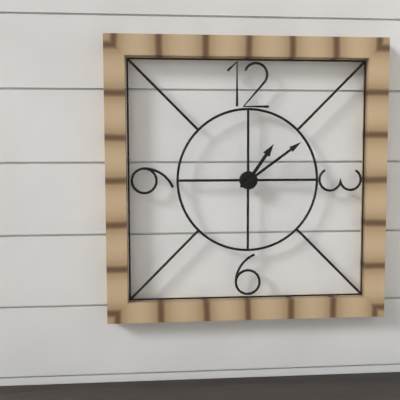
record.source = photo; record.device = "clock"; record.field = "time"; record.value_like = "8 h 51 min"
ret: 1 h 09 min
